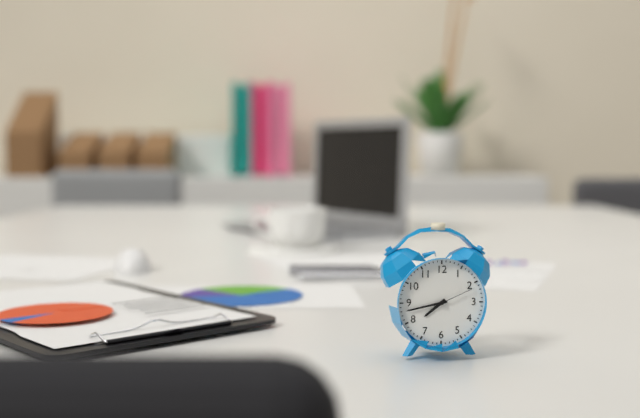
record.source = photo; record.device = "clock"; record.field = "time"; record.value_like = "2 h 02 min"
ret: 7 h 43 min
